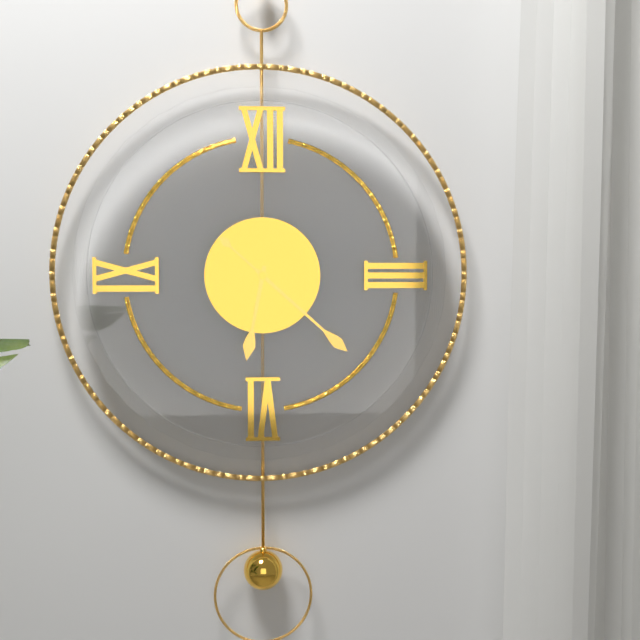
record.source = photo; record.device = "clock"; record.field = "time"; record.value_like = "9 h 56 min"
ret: 6 h 22 min
